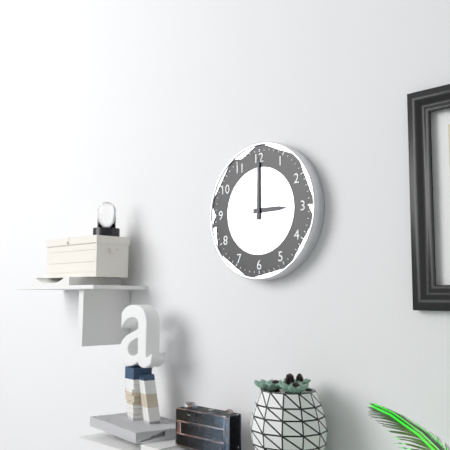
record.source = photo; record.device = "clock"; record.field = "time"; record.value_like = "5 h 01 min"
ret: 3 h 00 min
